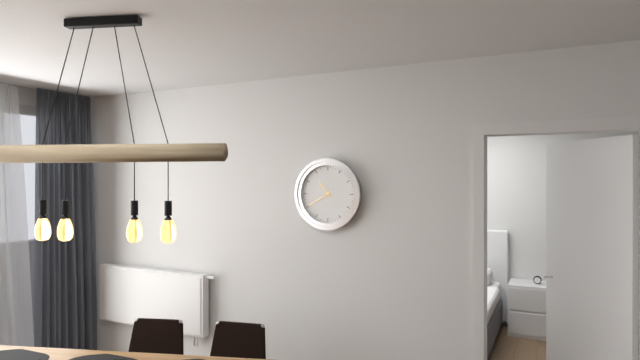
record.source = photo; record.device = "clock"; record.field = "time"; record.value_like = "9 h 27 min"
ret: 10 h 40 min
